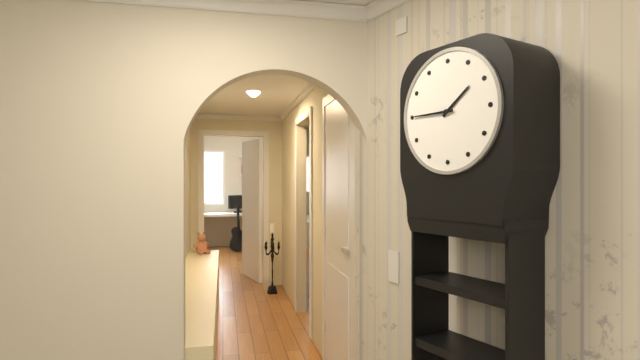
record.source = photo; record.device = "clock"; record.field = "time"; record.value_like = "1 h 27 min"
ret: 1 h 45 min
